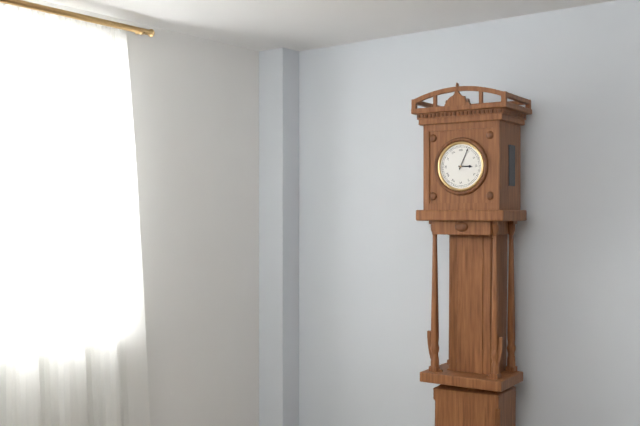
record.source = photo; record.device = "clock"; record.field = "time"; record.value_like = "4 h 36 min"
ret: 3 h 04 min
